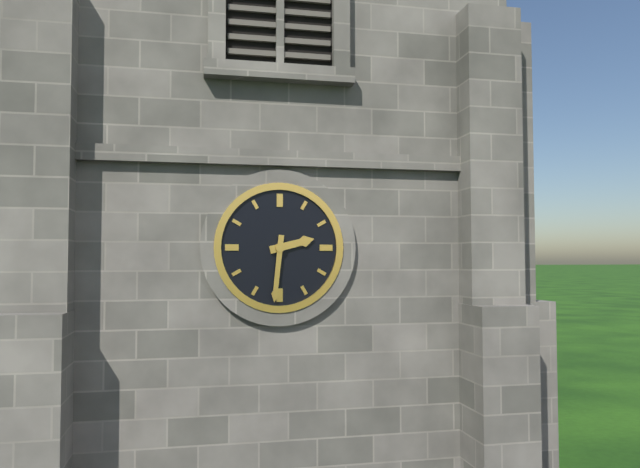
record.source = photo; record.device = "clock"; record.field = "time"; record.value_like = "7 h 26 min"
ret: 2 h 31 min
